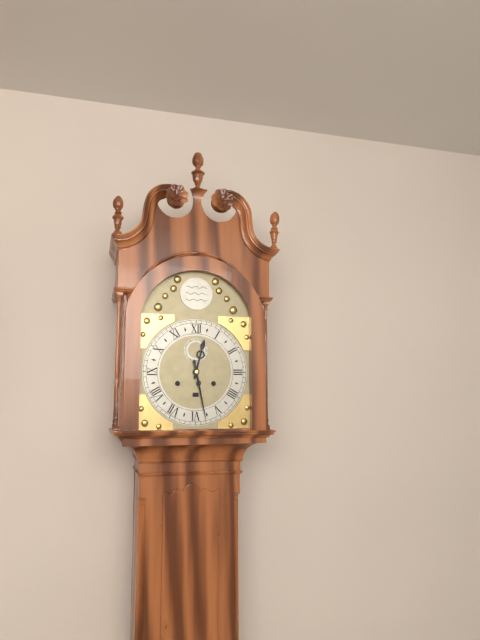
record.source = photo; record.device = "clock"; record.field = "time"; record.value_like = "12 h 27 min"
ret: 12 h 28 min
